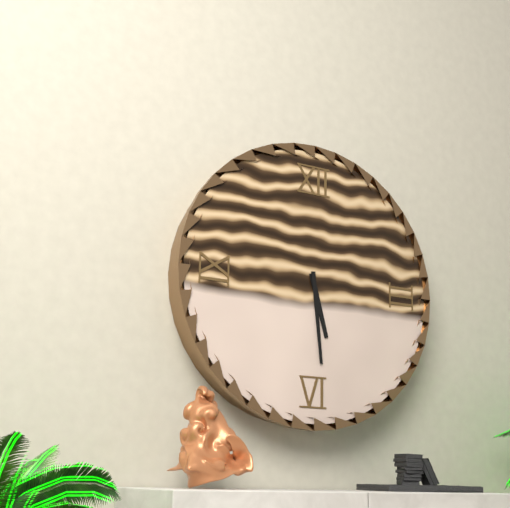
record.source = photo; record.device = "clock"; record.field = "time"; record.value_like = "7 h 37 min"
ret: 5 h 29 min
